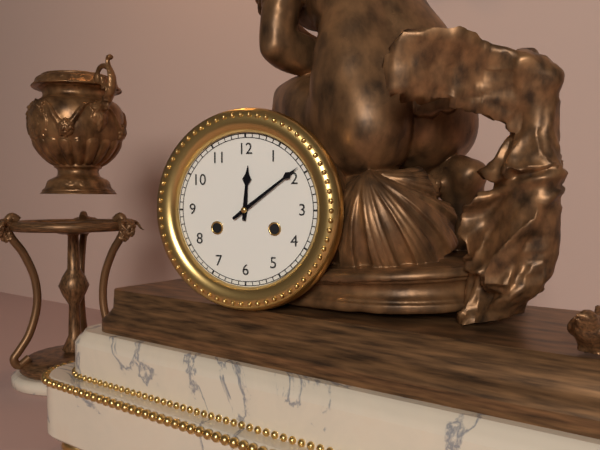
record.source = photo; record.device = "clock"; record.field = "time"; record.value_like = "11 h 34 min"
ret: 12 h 09 min
